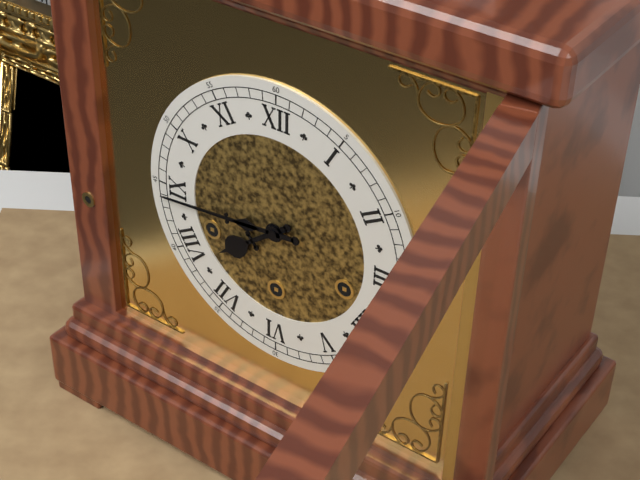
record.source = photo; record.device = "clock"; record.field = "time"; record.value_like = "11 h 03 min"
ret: 7 h 44 min
